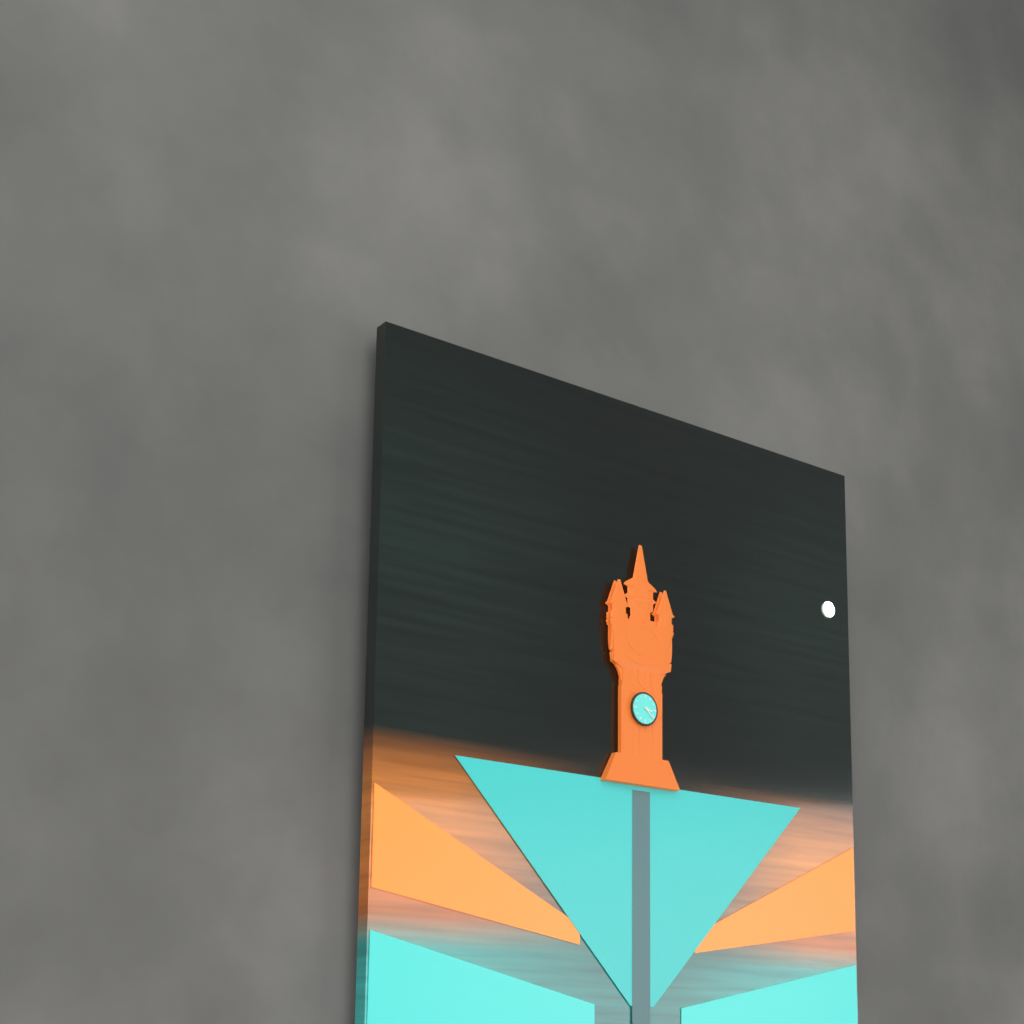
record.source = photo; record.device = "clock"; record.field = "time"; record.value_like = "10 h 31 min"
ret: 3 h 22 min
